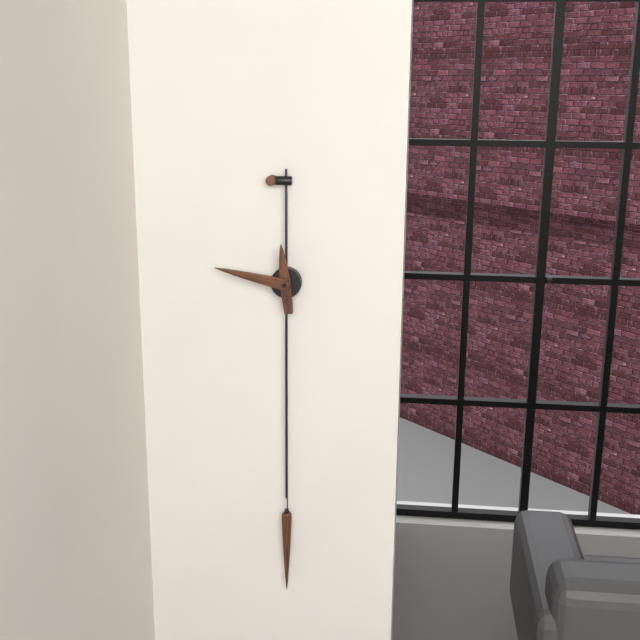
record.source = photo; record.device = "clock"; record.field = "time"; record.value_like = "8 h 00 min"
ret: 11 h 47 min
